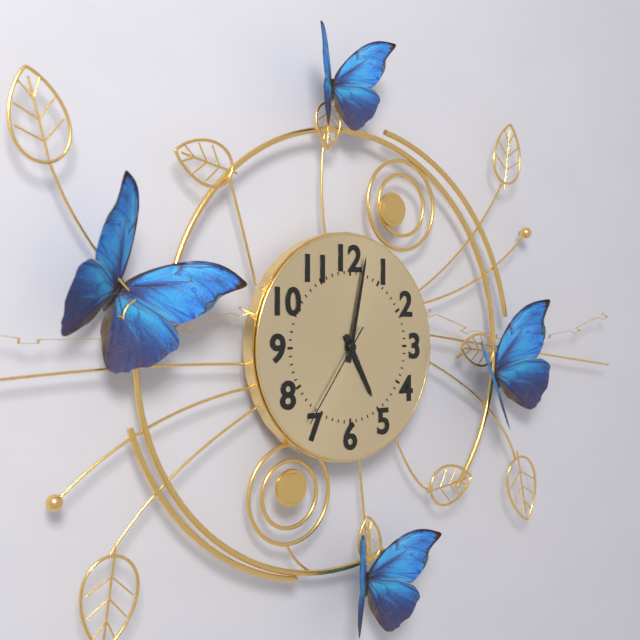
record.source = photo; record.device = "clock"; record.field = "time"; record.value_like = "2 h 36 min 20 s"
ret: 5 h 02 min 36 s
